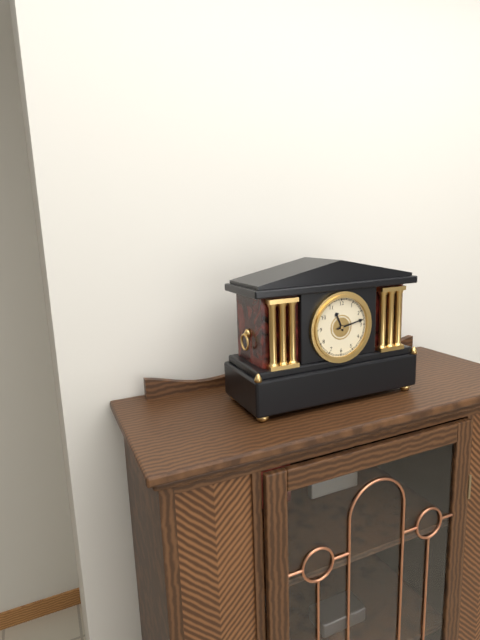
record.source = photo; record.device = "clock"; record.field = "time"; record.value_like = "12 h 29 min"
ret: 11 h 13 min
